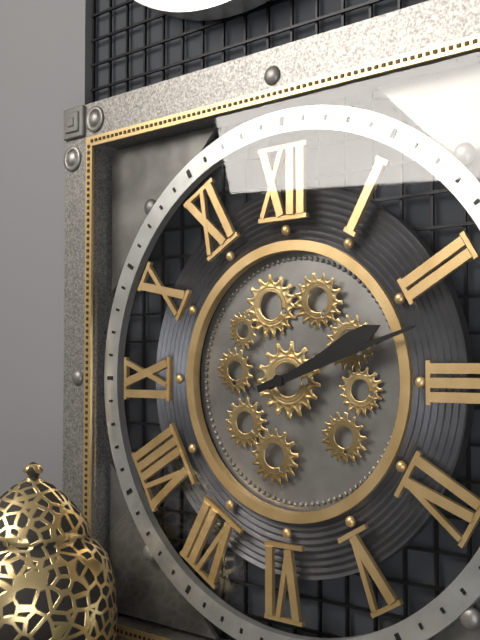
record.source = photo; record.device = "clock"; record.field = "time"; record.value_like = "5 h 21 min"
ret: 2 h 12 min
